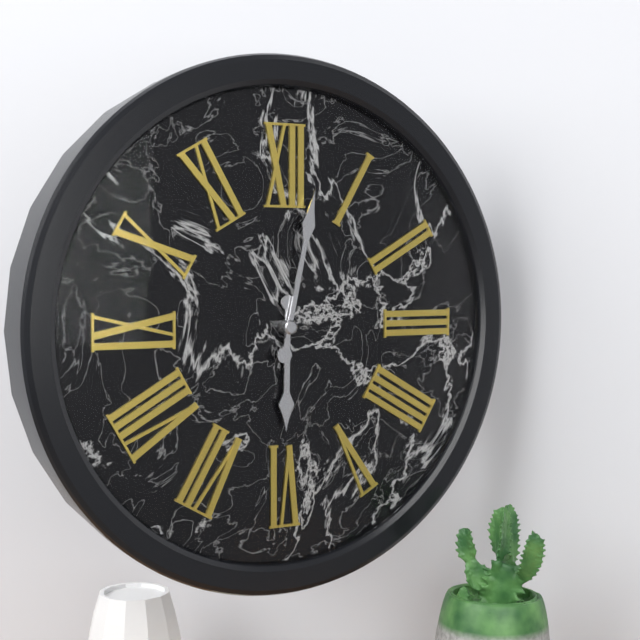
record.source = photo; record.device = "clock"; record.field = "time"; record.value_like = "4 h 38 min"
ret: 6 h 02 min
